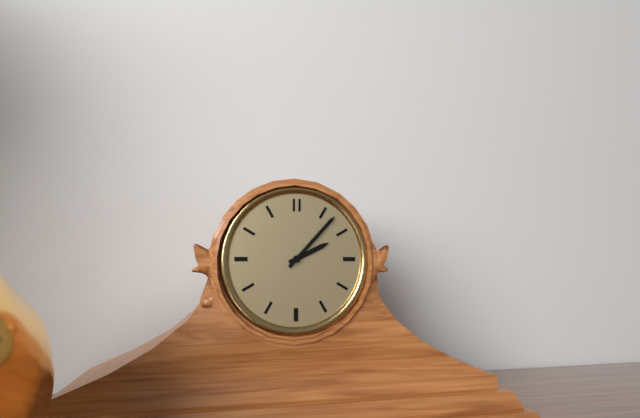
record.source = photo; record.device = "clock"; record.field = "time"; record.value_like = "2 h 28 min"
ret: 2 h 07 min
